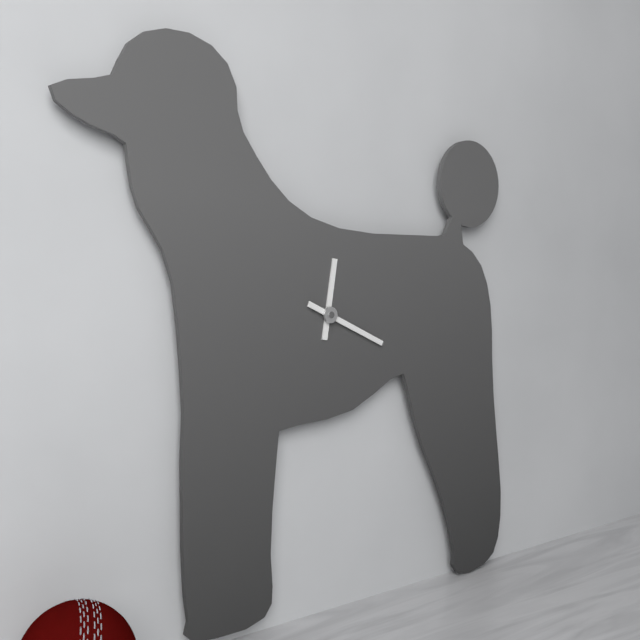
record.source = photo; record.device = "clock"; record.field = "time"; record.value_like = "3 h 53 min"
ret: 12 h 19 min
